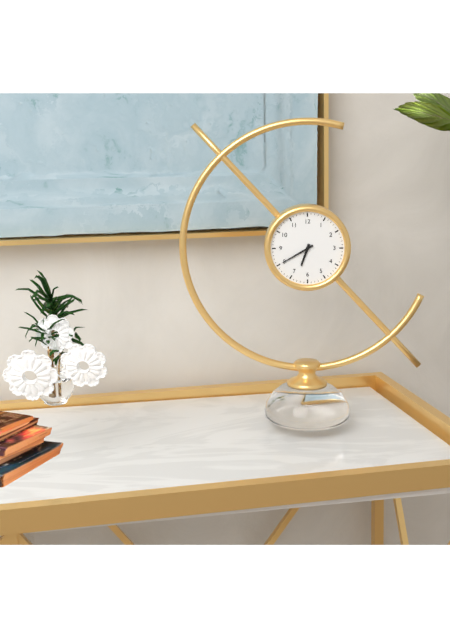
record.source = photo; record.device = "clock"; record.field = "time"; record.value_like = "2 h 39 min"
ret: 6 h 40 min
